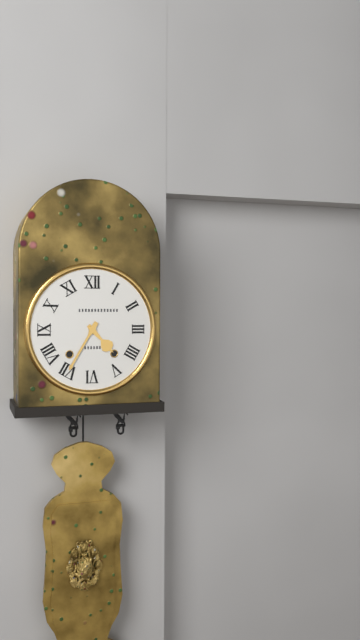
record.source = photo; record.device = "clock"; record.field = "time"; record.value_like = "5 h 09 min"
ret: 4 h 35 min
